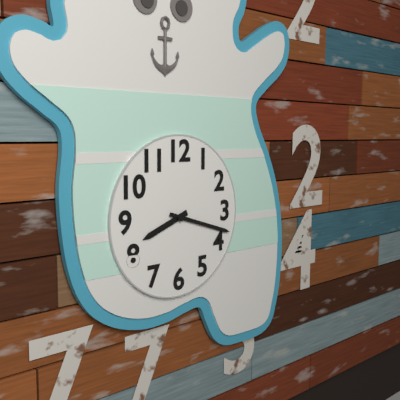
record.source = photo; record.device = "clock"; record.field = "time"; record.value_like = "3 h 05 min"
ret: 8 h 18 min
